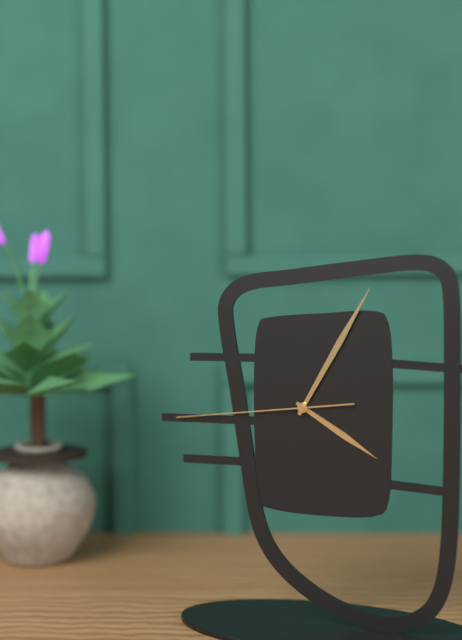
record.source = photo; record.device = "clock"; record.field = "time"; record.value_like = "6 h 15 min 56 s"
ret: 4 h 05 min 44 s
